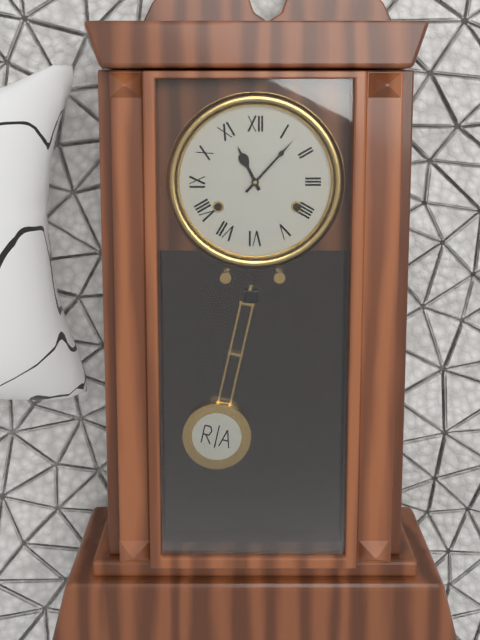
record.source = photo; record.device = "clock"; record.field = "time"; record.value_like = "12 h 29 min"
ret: 11 h 07 min
